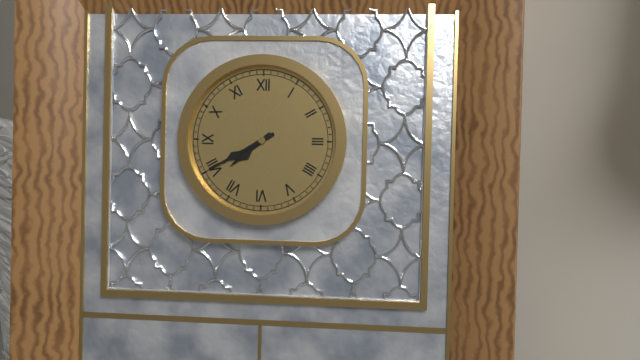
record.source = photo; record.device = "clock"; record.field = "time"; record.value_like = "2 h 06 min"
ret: 7 h 40 min
